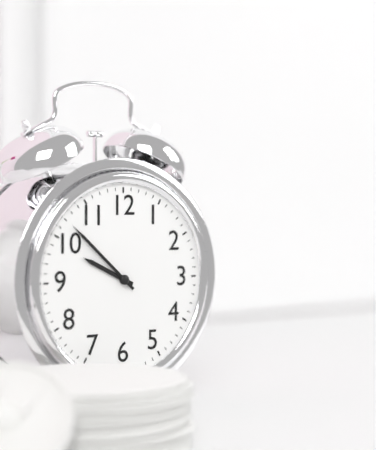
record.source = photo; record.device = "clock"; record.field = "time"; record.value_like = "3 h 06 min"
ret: 9 h 52 min
